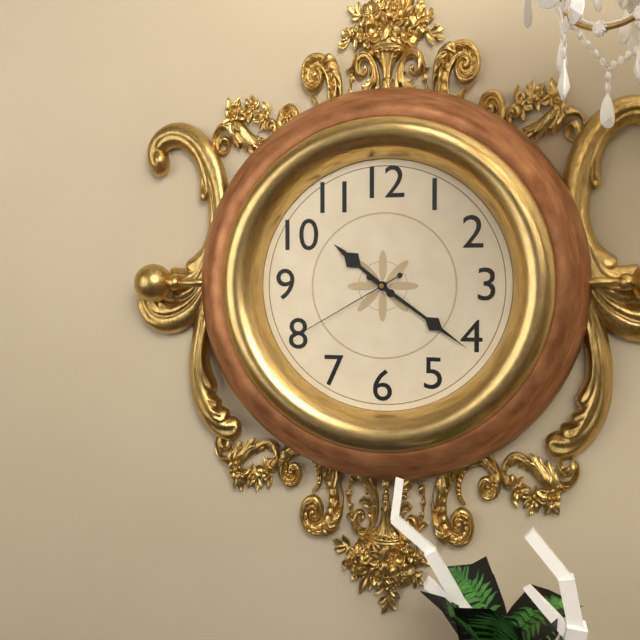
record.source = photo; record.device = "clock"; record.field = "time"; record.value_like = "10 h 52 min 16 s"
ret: 10 h 21 min 40 s
